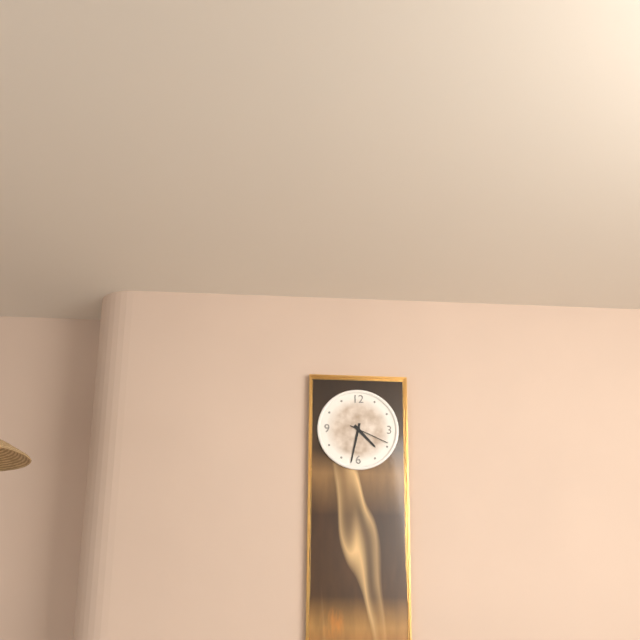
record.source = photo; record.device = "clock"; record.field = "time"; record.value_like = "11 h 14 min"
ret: 4 h 32 min
